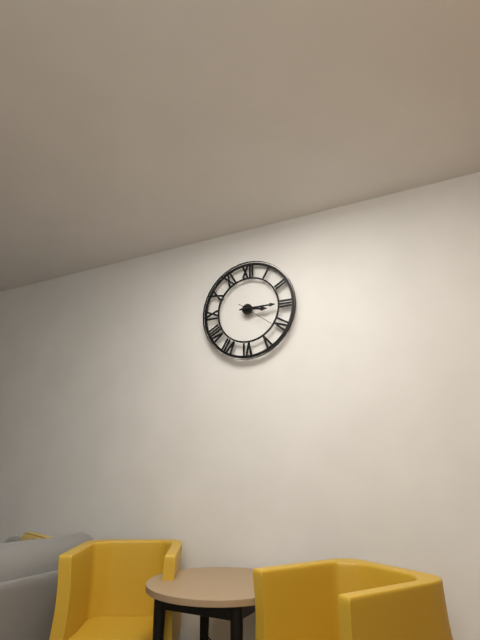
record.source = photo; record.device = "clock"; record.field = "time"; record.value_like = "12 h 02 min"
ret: 3 h 15 min
